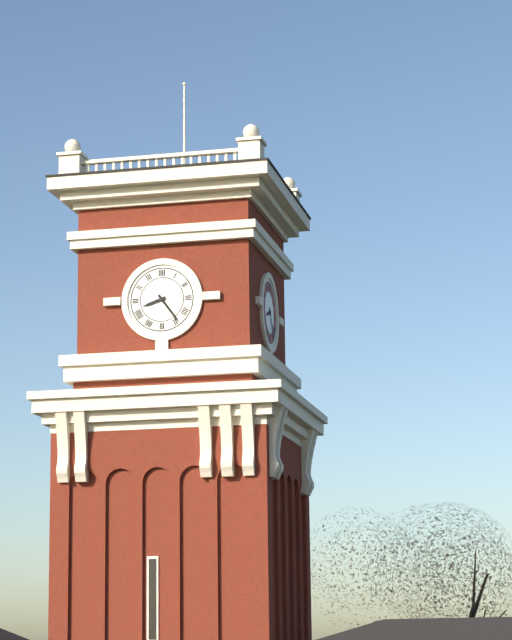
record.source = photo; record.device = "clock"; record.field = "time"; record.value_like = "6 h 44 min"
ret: 8 h 24 min
